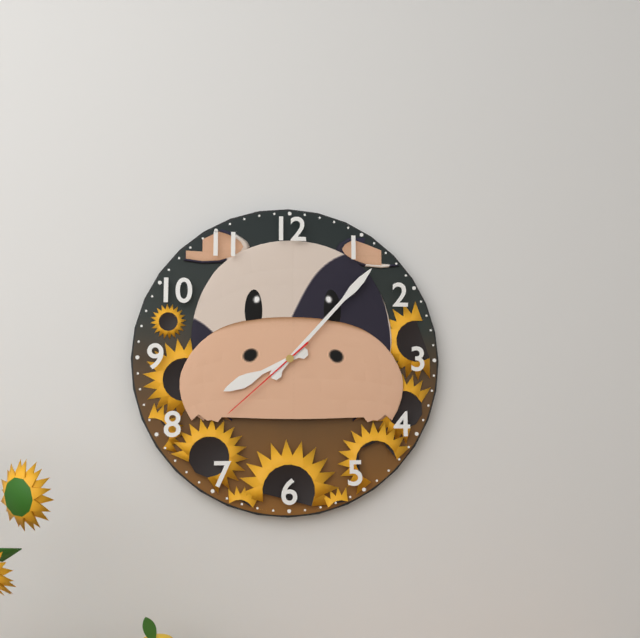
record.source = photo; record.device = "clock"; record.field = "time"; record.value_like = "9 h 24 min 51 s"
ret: 8 h 07 min 38 s
